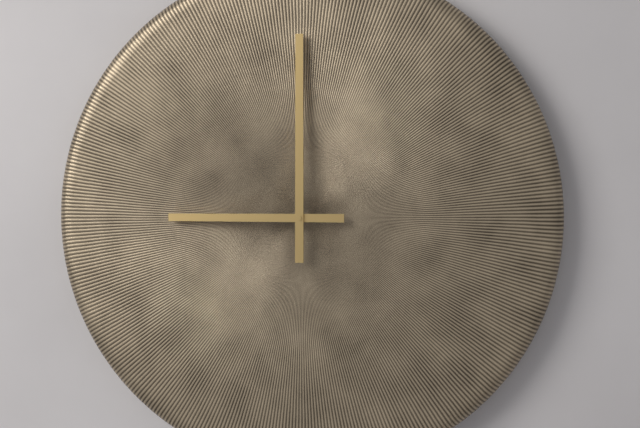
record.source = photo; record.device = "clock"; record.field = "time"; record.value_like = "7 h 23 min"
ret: 9 h 00 min
